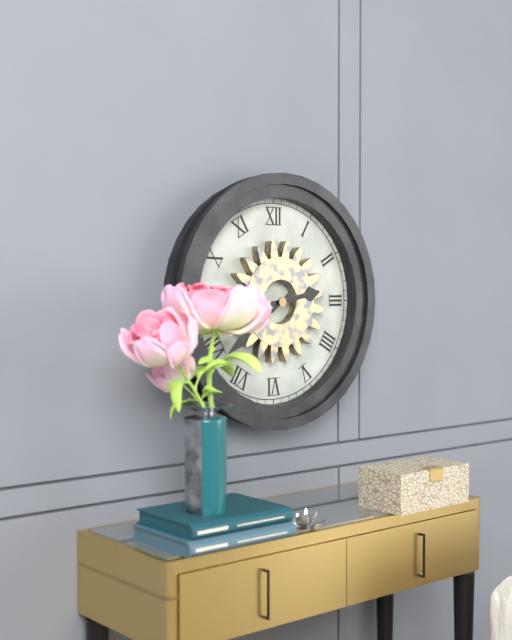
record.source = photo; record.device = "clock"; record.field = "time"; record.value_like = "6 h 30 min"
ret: 2 h 39 min
